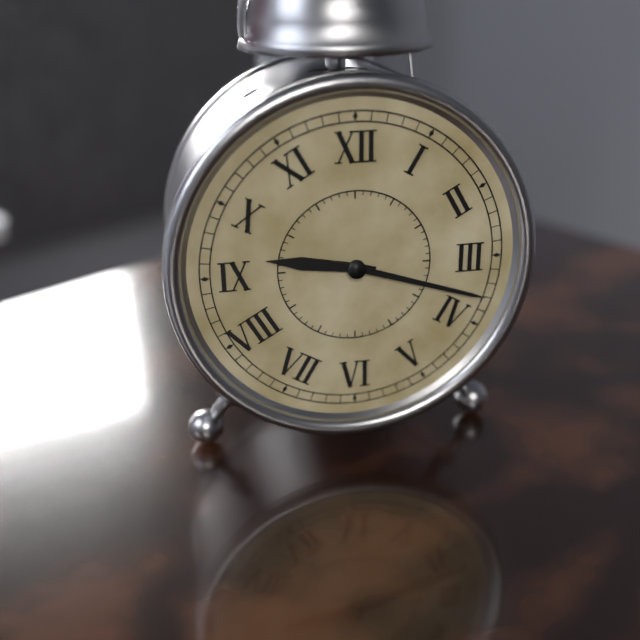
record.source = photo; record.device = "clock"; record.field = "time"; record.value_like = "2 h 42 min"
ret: 9 h 18 min
